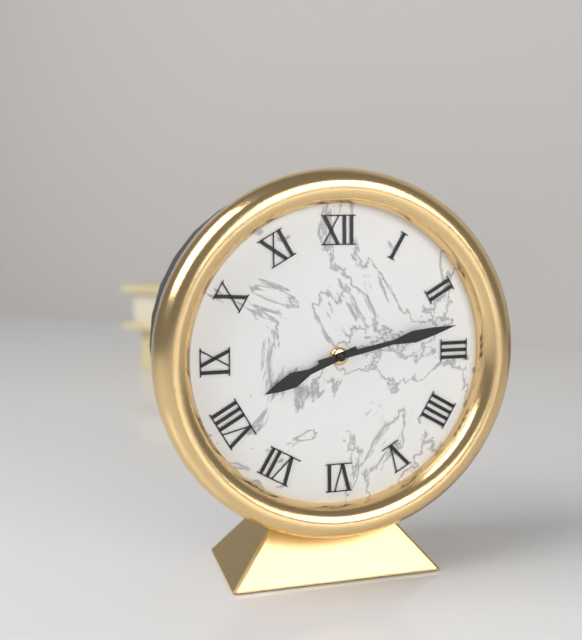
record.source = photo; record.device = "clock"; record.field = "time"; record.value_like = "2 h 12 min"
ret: 8 h 13 min
